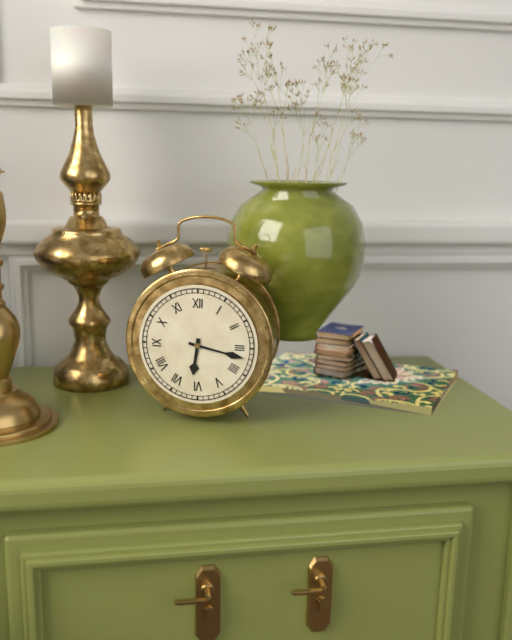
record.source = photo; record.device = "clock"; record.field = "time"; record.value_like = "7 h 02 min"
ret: 6 h 17 min
